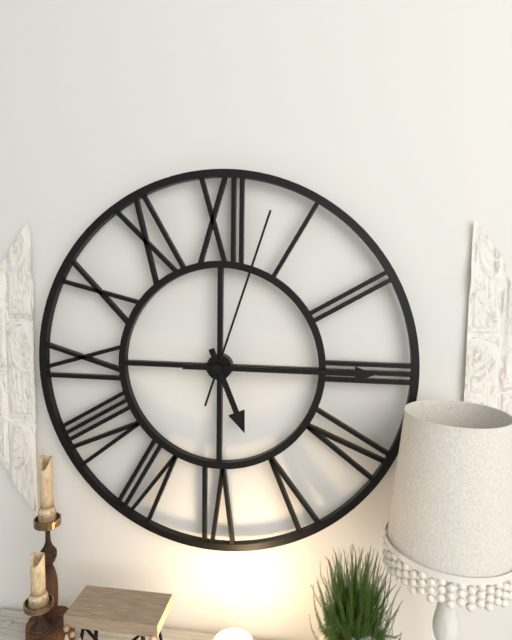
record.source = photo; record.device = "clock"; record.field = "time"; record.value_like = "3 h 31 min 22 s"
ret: 5 h 15 min 03 s
